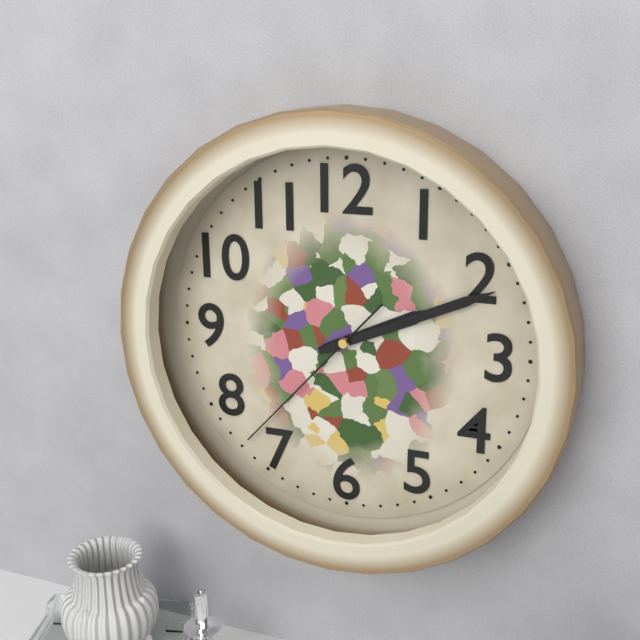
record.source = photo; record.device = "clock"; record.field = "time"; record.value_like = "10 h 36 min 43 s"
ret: 2 h 11 min 37 s
